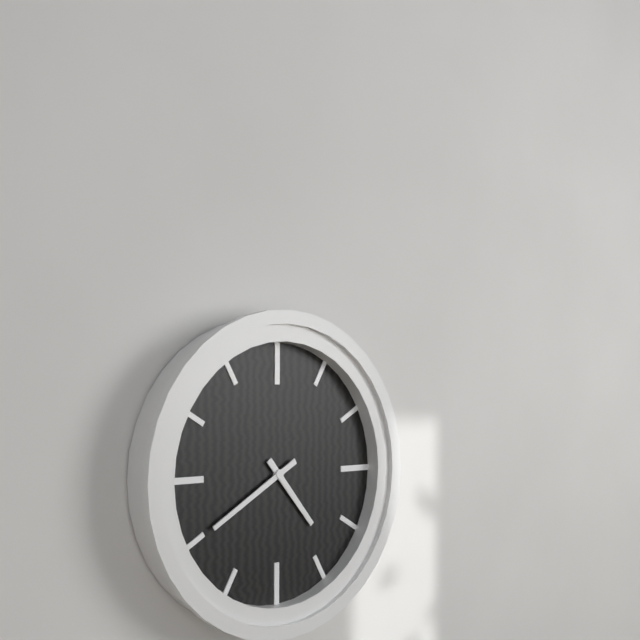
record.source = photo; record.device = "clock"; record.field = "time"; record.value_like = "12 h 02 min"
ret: 4 h 40 min
